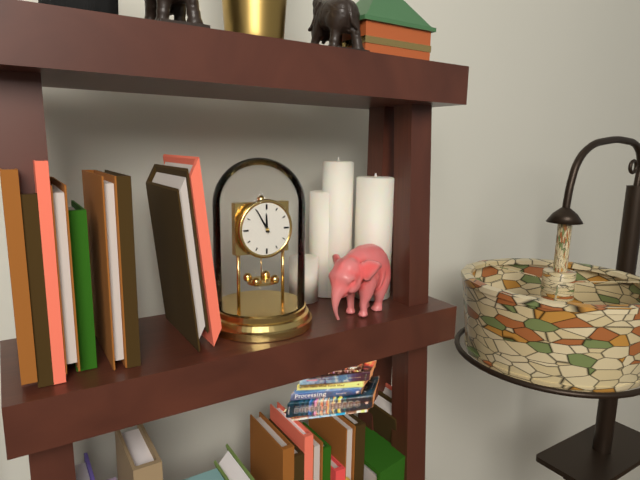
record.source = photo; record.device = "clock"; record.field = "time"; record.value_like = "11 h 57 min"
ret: 11 h 55 min
